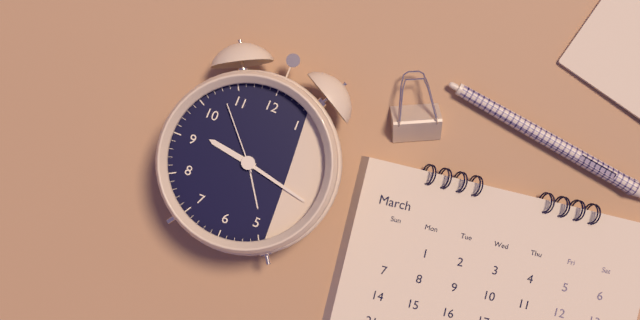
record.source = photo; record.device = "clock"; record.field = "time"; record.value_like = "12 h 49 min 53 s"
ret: 9 h 17 min 53 s
